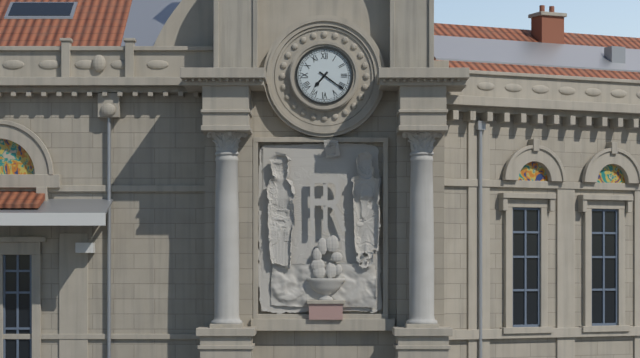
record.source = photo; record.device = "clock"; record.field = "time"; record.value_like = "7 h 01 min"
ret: 7 h 21 min
